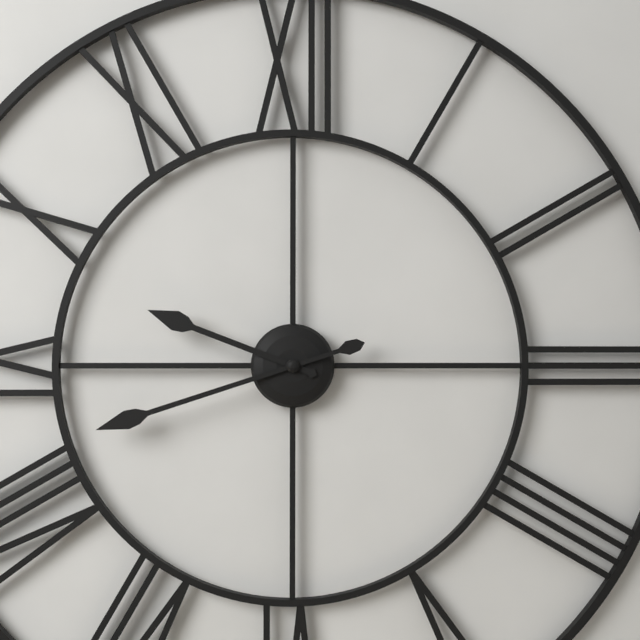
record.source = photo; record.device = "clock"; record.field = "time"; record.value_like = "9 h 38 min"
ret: 9 h 42 min
